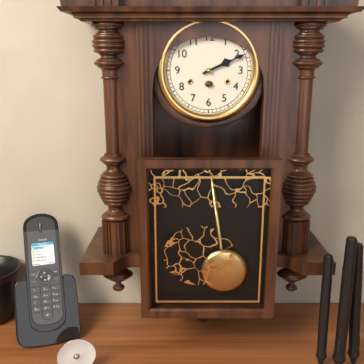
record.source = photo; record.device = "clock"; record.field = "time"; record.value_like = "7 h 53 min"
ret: 2 h 11 min
